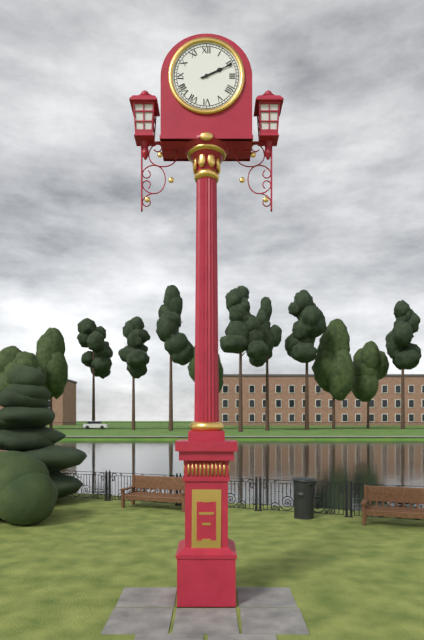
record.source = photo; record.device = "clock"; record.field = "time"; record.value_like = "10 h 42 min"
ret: 2 h 11 min
